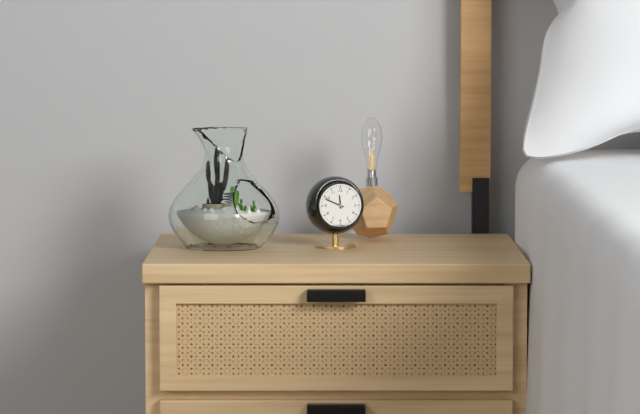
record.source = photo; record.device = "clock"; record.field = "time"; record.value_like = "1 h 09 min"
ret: 11 h 49 min
